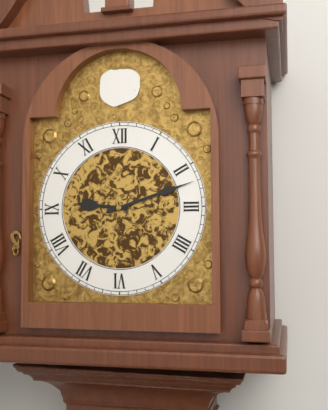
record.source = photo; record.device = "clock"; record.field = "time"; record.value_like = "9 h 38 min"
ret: 9 h 12 min
